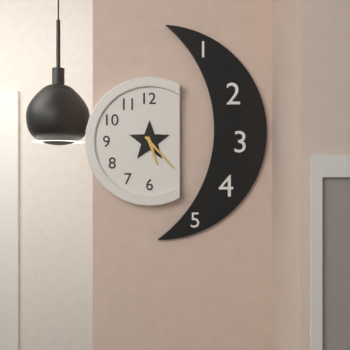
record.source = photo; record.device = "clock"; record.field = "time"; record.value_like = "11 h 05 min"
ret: 5 h 23 min
